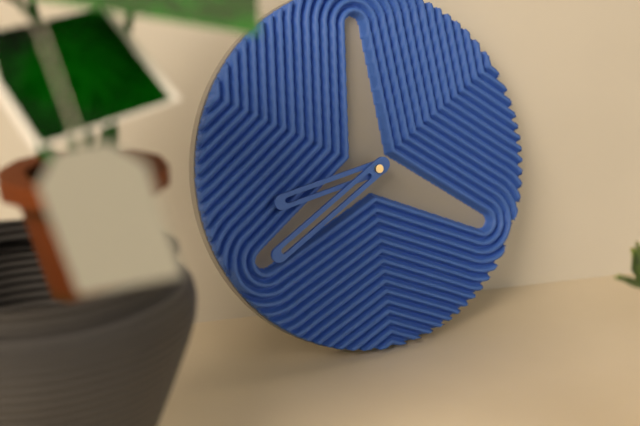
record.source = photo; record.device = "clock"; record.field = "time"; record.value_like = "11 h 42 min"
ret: 8 h 40 min
